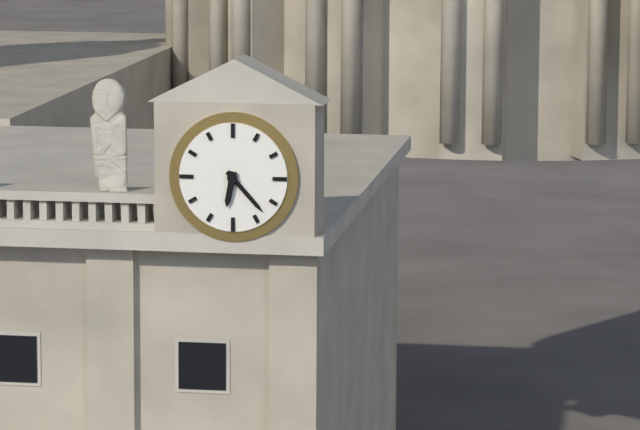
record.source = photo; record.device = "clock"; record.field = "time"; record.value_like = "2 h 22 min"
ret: 6 h 23 min
